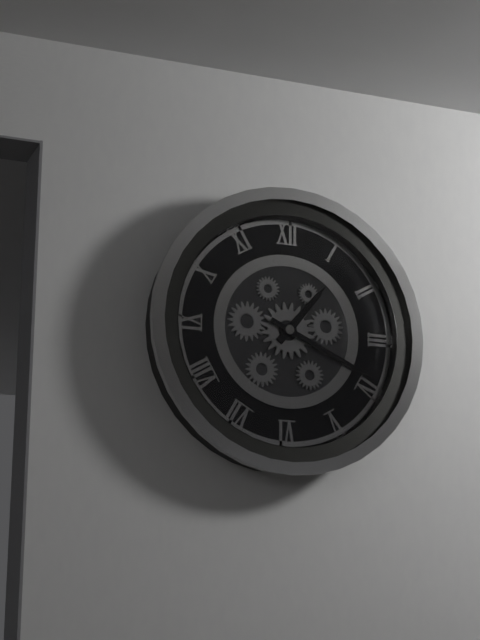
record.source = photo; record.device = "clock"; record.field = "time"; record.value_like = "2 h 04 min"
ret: 1 h 19 min
